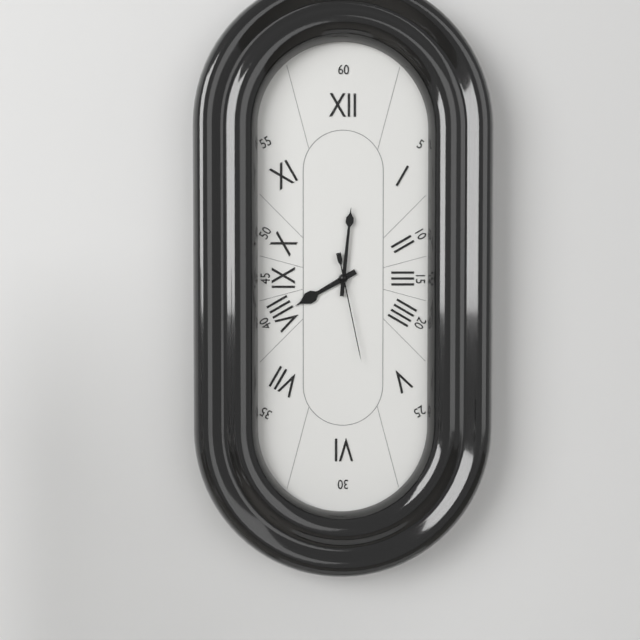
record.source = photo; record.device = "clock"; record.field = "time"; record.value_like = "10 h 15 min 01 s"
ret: 8 h 01 min 28 s
